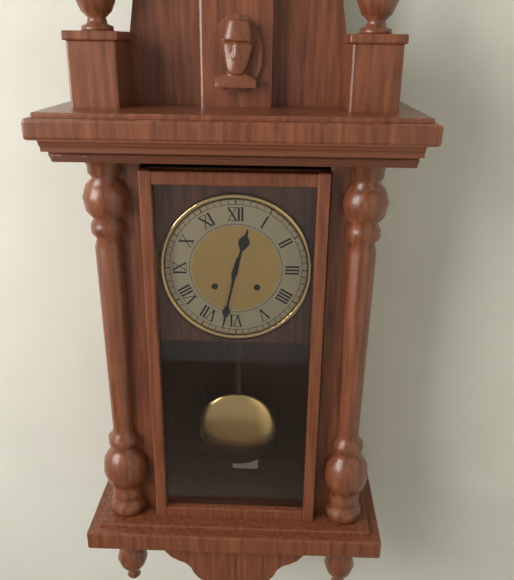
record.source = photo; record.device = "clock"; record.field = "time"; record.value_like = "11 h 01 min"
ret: 12 h 32 min
